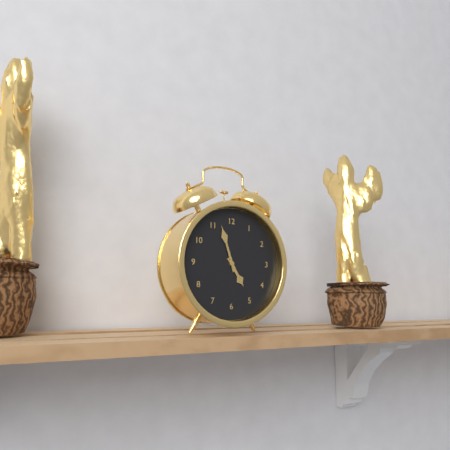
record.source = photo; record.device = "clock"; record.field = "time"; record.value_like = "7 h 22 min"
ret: 4 h 57 min
